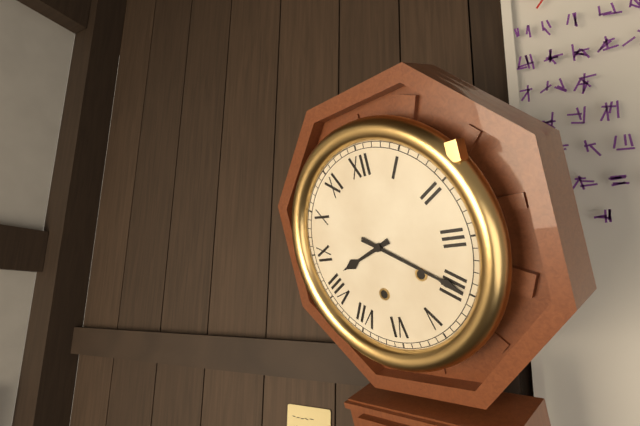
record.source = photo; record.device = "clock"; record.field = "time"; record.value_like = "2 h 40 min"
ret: 8 h 20 min
